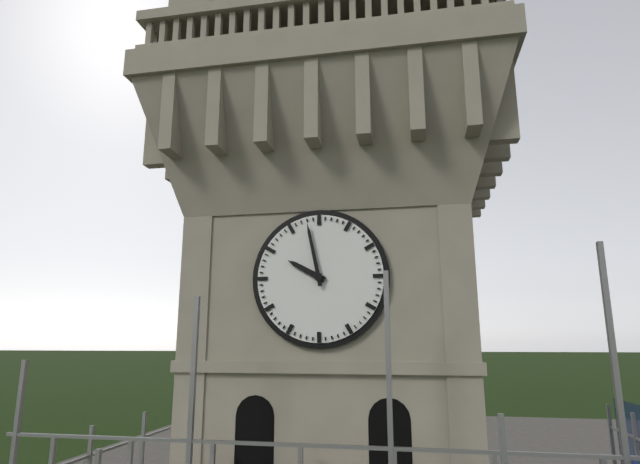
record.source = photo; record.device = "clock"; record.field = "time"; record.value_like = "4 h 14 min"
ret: 9 h 58 min
